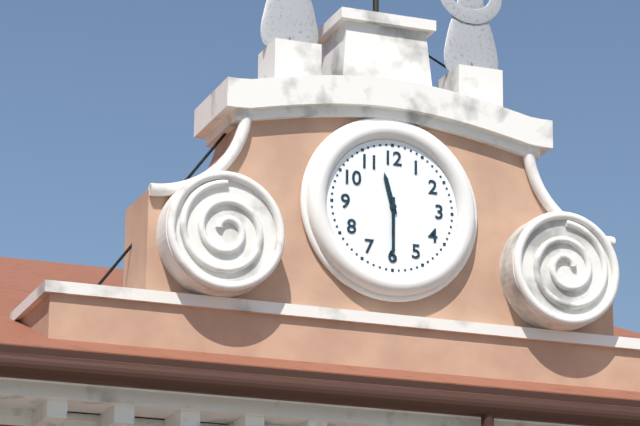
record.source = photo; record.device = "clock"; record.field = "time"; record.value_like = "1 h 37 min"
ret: 11 h 30 min
